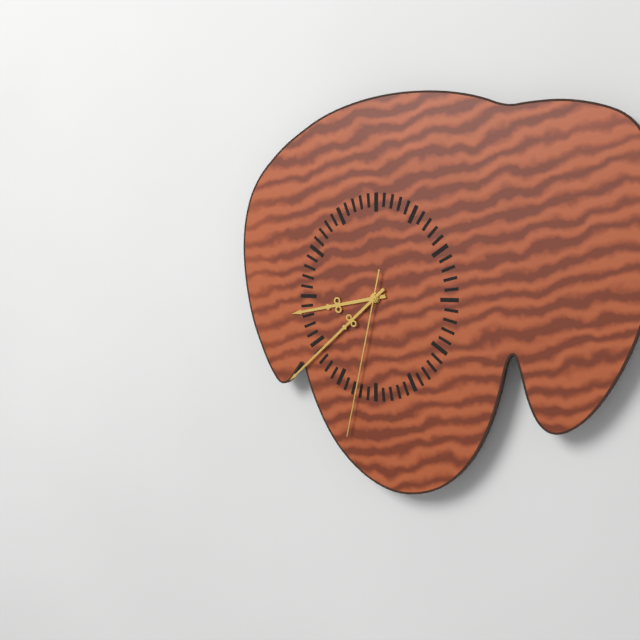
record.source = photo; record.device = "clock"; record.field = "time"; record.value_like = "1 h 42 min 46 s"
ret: 8 h 38 min 32 s
